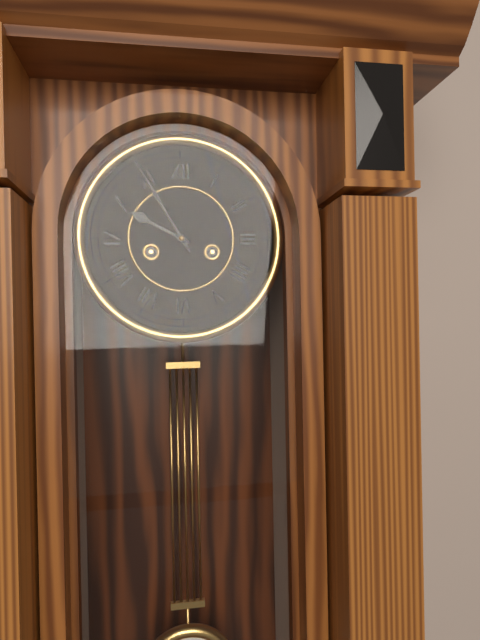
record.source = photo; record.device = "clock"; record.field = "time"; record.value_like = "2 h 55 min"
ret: 9 h 55 min
